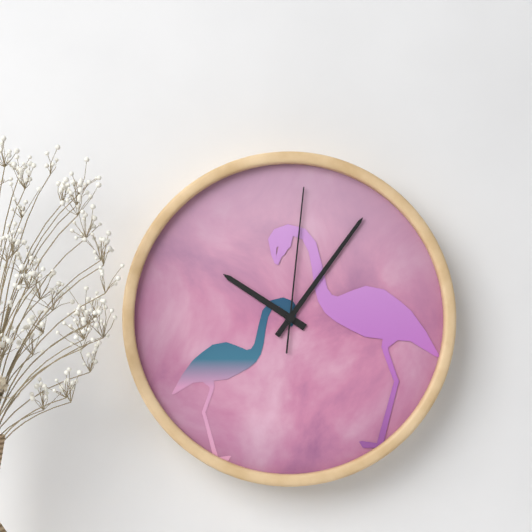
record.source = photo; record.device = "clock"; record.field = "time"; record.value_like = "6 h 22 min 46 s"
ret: 10 h 06 min 01 s
